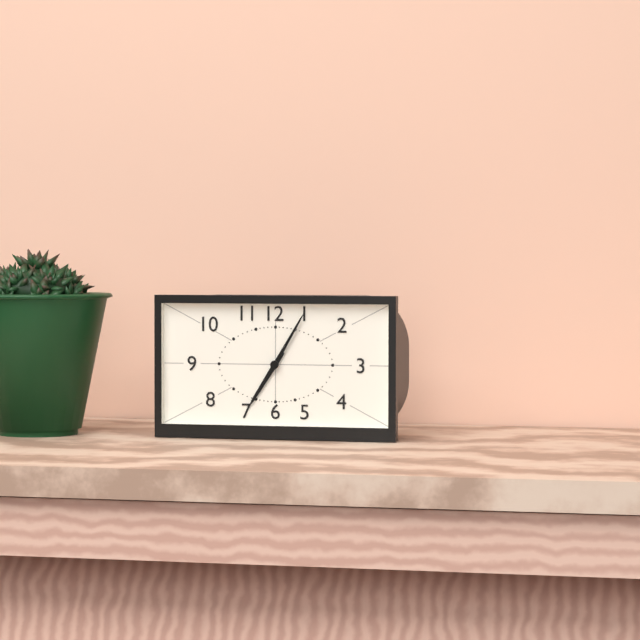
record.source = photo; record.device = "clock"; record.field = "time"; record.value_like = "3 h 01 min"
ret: 7 h 05 min
